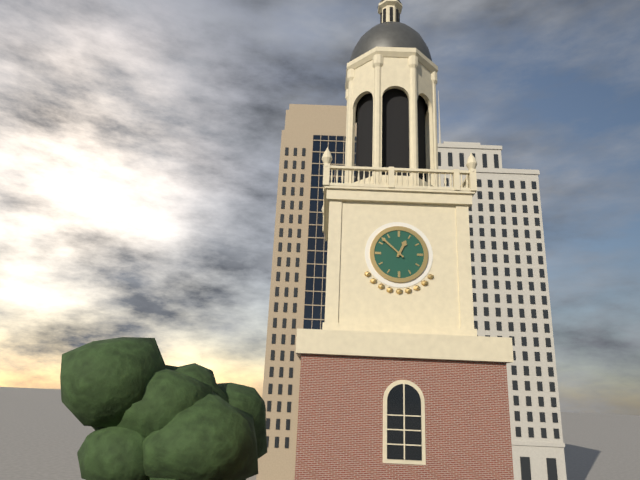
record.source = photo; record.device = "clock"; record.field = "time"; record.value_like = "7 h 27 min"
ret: 12 h 52 min
